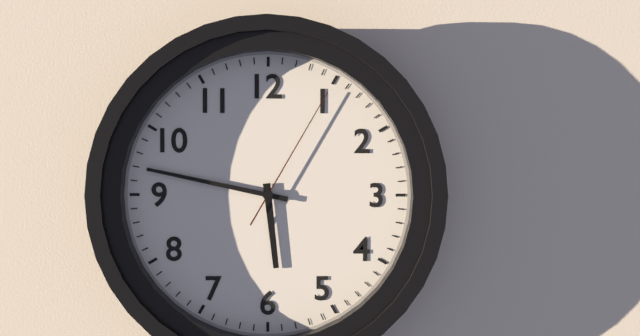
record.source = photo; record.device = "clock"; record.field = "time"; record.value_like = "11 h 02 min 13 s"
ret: 5 h 47 min 05 s
